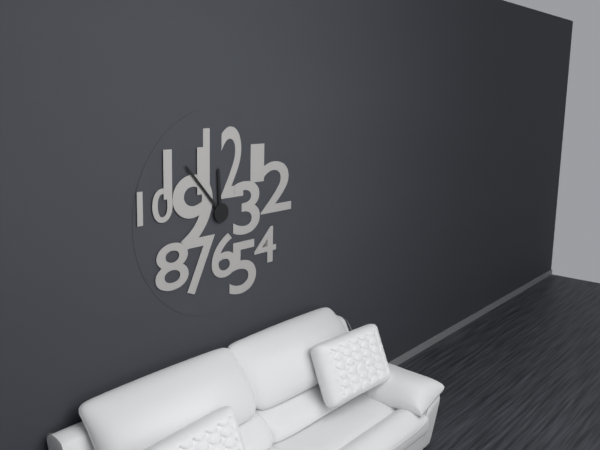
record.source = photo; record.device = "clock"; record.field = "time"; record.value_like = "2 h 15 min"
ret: 11 h 53 min
